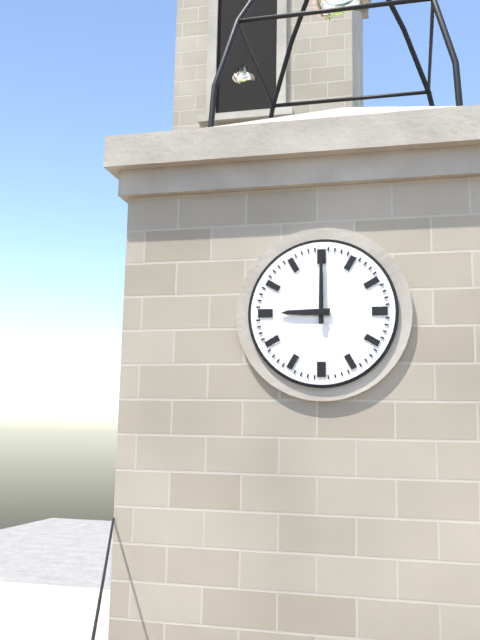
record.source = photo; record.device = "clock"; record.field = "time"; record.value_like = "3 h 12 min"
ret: 9 h 00 min
